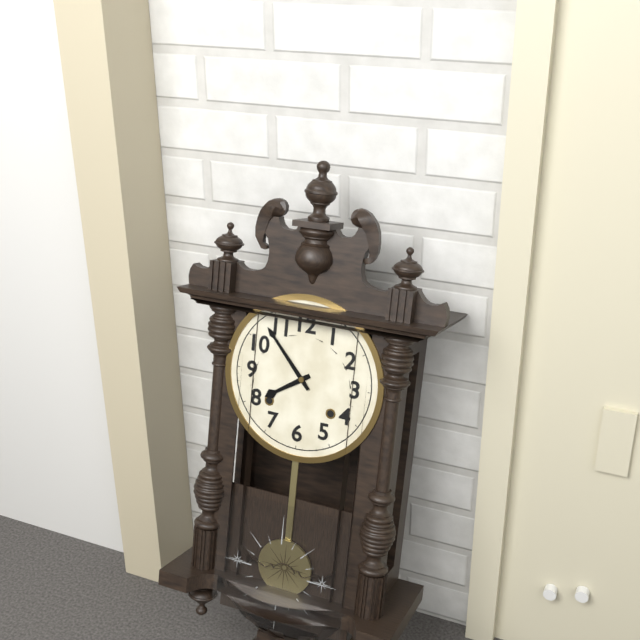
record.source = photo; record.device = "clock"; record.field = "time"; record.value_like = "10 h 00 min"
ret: 7 h 53 min
